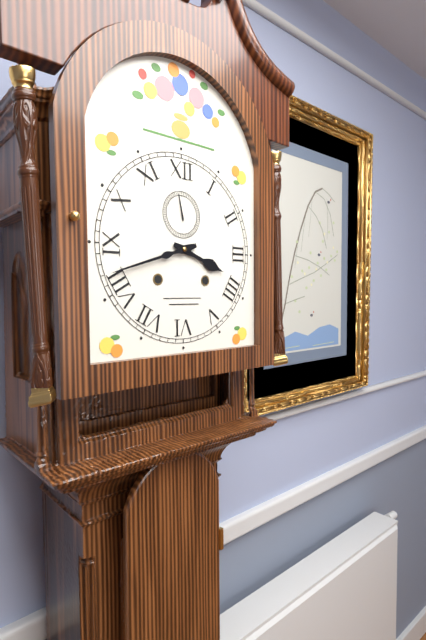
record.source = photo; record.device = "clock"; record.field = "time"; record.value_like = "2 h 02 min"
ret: 3 h 42 min
